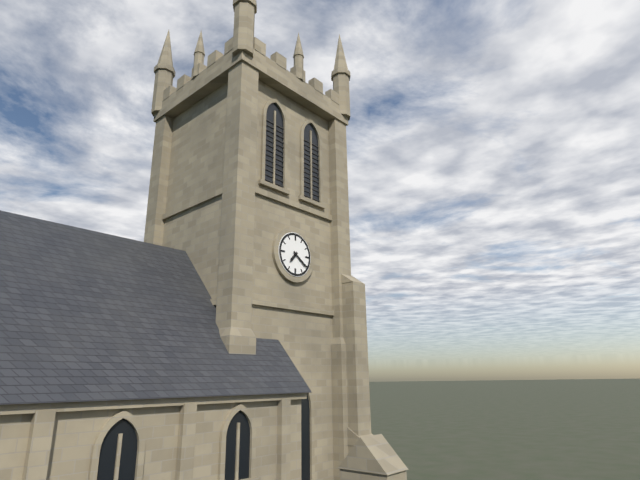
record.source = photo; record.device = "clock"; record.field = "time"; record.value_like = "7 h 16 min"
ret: 7 h 21 min
